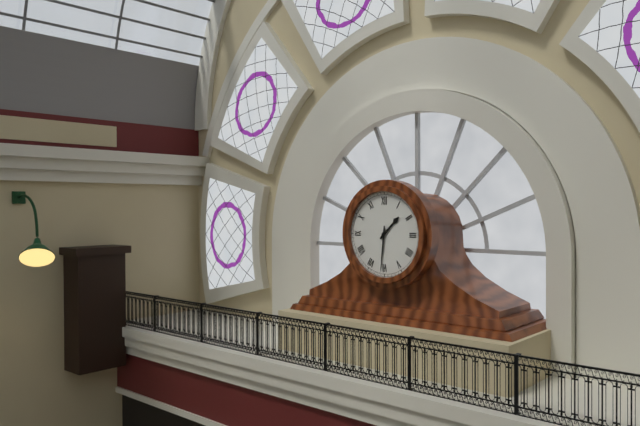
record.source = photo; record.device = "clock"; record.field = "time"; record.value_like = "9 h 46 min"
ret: 1 h 31 min
